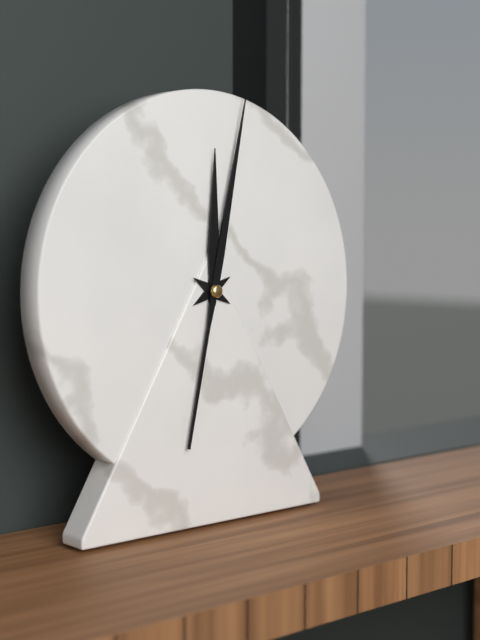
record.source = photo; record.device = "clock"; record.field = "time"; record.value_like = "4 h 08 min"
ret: 12 h 02 min
